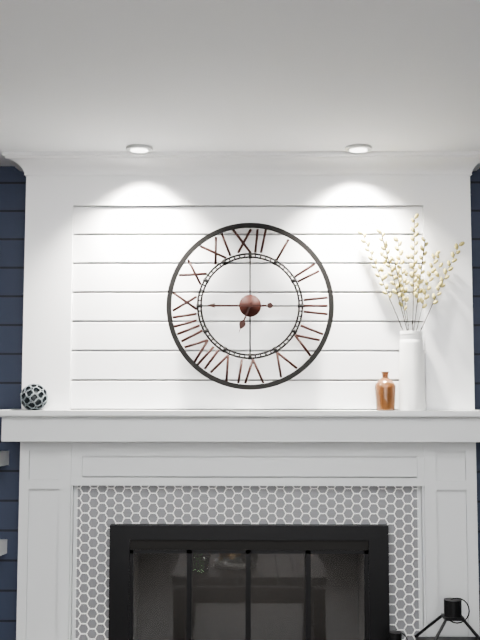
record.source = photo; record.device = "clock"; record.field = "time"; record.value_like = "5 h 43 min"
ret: 6 h 45 min
